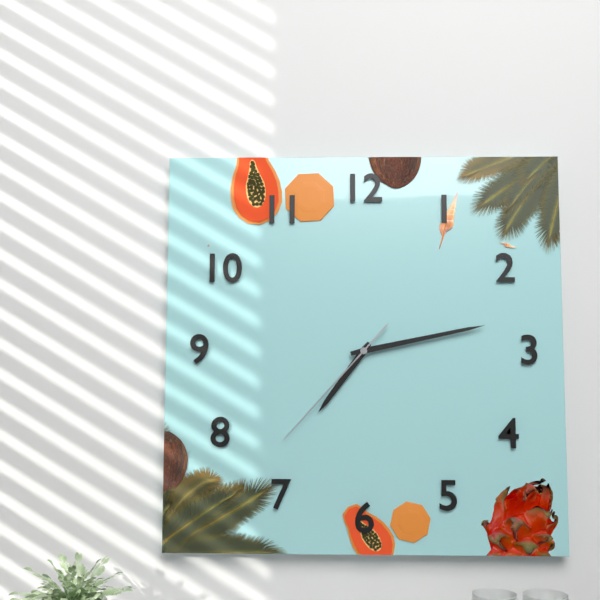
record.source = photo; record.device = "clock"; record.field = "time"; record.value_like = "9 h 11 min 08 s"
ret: 7 h 13 min 37 s
